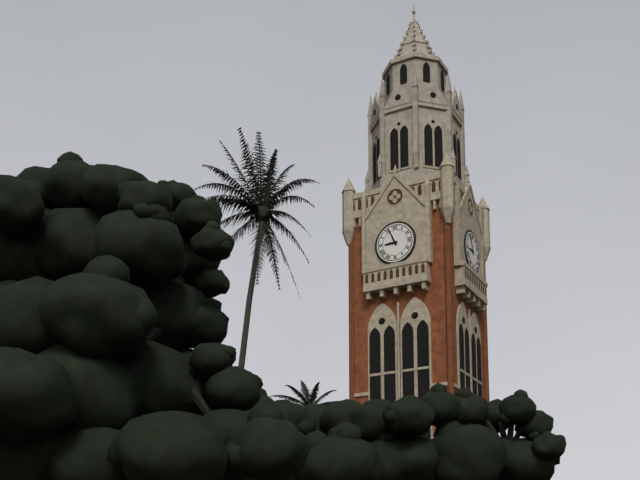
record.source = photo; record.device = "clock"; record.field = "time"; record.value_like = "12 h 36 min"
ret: 8 h 56 min
